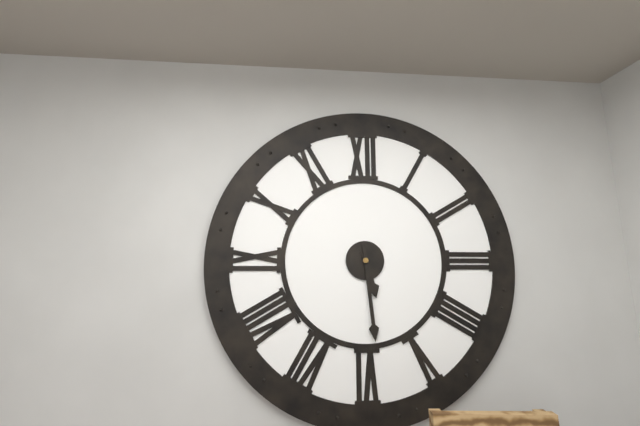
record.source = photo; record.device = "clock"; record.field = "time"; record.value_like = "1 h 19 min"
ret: 5 h 29 min
